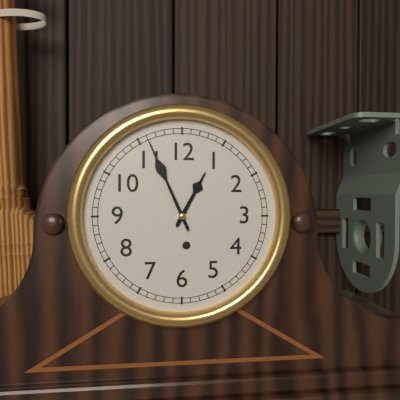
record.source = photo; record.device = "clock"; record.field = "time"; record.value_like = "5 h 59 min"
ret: 12 h 56 min
